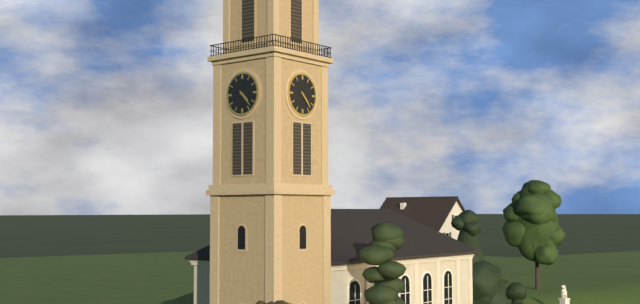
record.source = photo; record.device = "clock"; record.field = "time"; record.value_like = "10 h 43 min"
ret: 4 h 23 min
